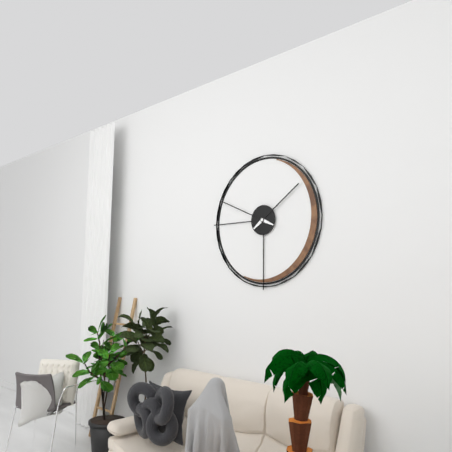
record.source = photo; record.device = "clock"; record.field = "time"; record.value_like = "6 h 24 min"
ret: 1 h 49 min
